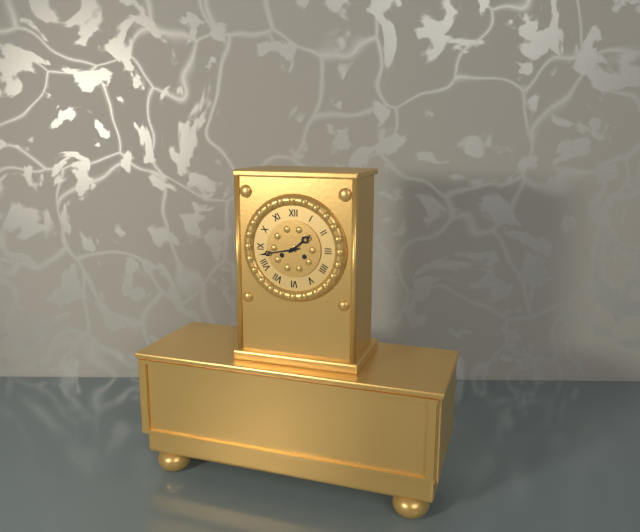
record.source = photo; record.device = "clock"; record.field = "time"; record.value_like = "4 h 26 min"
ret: 1 h 43 min
